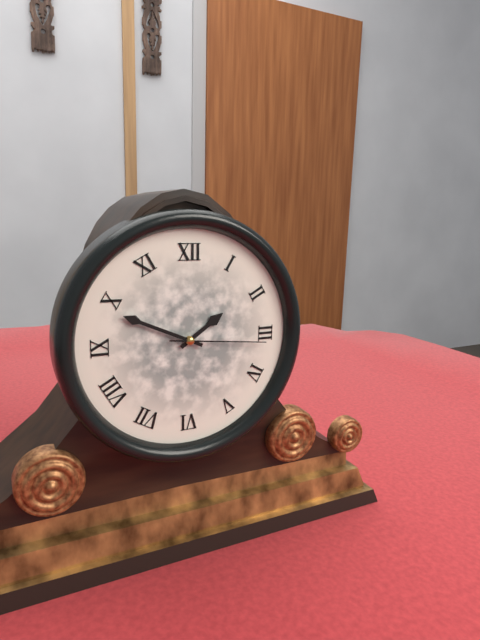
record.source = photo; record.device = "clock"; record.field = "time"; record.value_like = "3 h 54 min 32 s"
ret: 1 h 49 min 16 s
